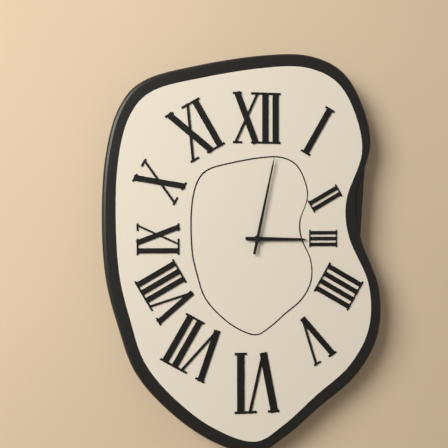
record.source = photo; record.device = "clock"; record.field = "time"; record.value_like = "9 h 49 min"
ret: 3 h 02 min
